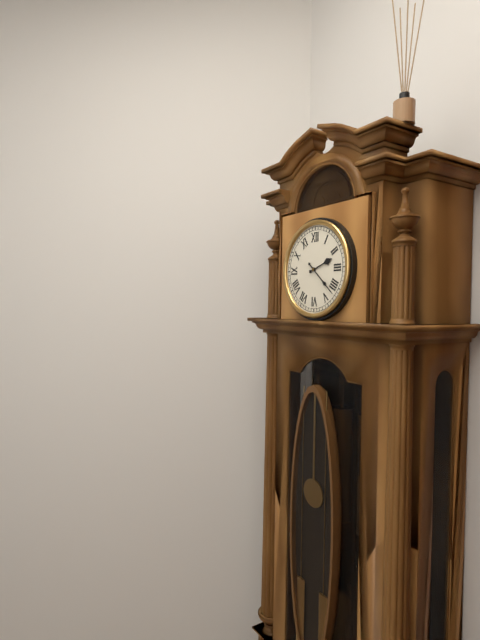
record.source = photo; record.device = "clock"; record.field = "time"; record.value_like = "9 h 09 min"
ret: 2 h 22 min
